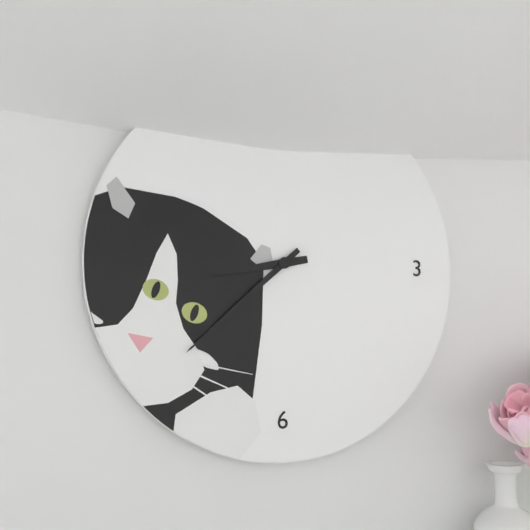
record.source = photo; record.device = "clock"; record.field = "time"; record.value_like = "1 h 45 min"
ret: 8 h 38 min
